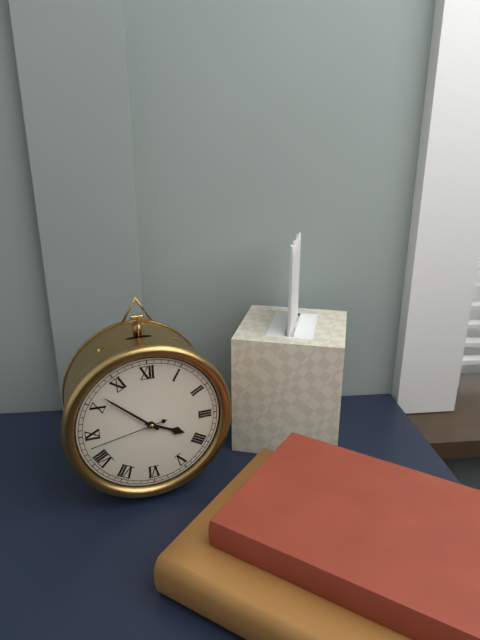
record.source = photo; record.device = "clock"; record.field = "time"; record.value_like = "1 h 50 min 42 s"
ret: 3 h 52 min 43 s
